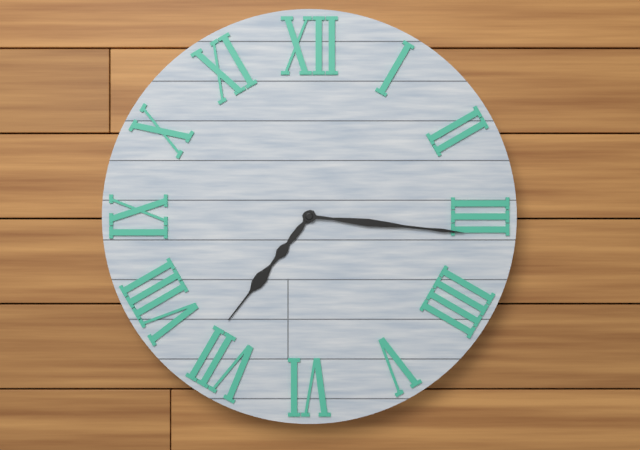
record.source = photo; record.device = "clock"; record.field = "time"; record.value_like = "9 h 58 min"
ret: 7 h 16 min
